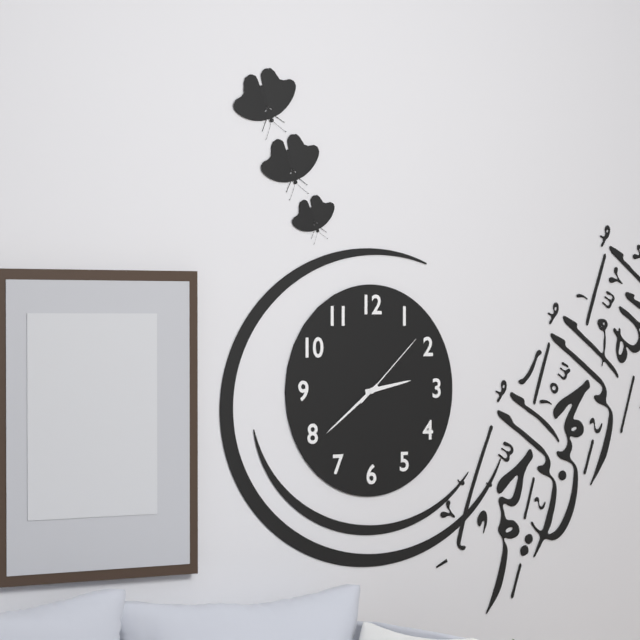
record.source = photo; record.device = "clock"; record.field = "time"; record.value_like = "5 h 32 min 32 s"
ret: 2 h 39 min 08 s
